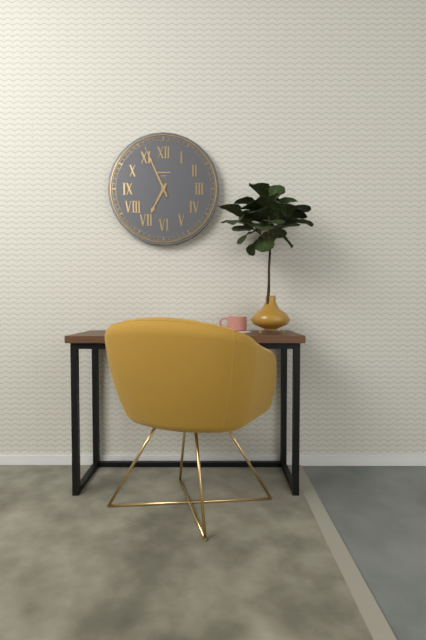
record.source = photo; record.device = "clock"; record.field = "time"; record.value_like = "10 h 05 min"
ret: 6 h 56 min
